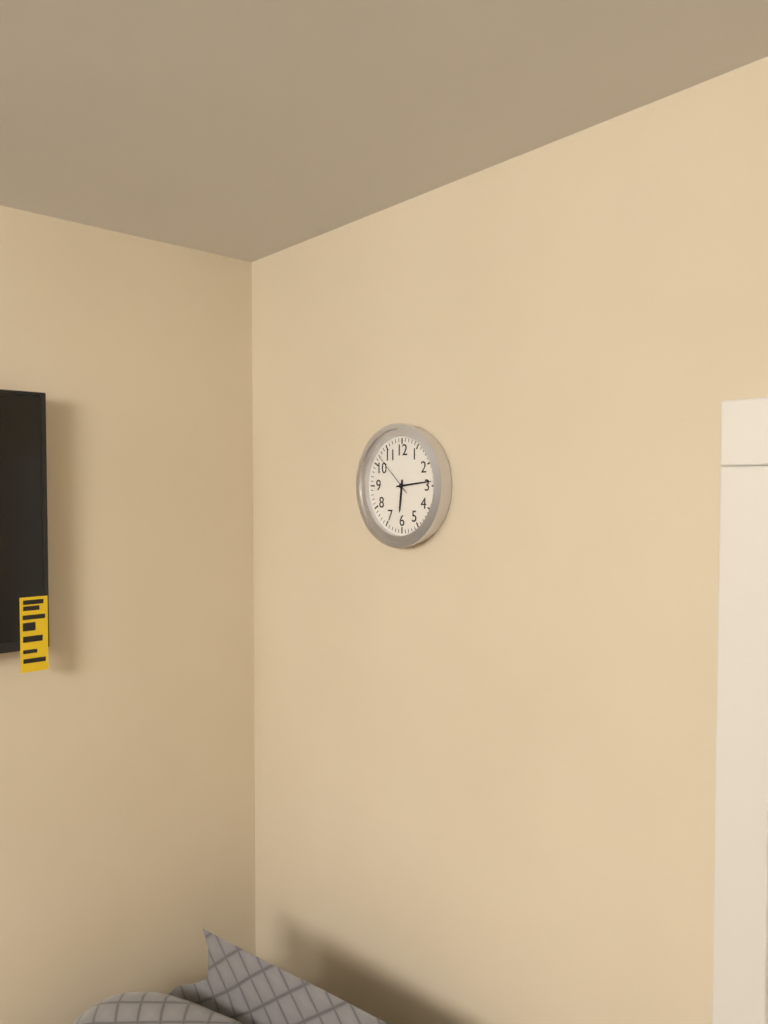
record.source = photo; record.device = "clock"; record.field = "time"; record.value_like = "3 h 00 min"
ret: 6 h 14 min
